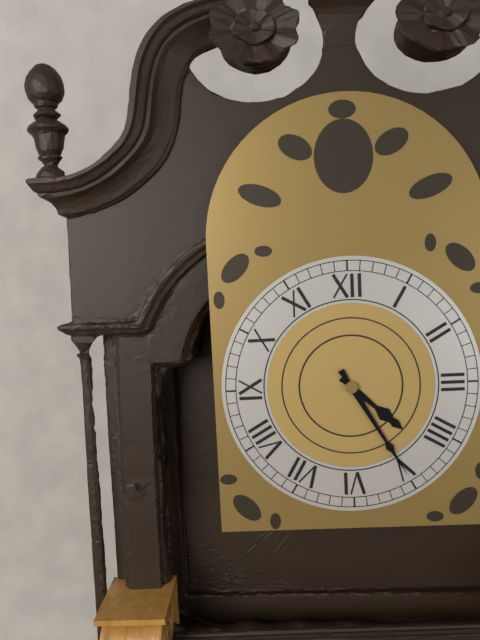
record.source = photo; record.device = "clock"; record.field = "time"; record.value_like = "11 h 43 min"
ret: 4 h 25 min
